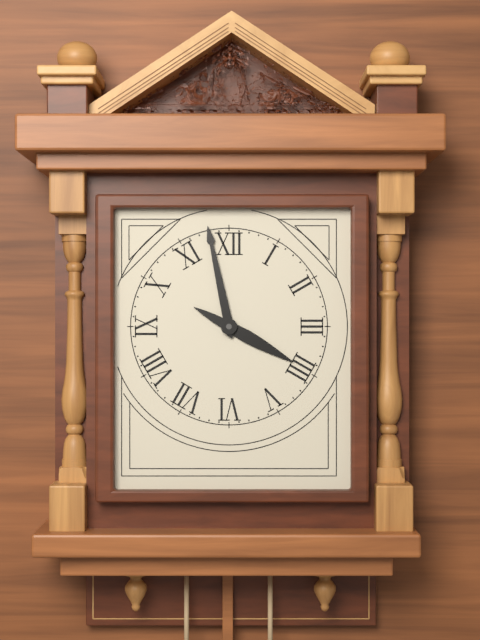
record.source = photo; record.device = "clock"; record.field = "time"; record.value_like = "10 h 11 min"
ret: 3 h 58 min
